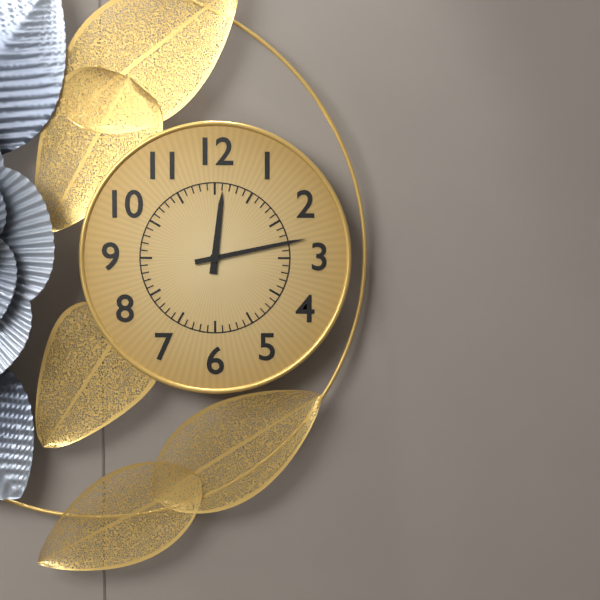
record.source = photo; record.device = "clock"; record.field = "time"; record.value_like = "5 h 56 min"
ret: 12 h 13 min
